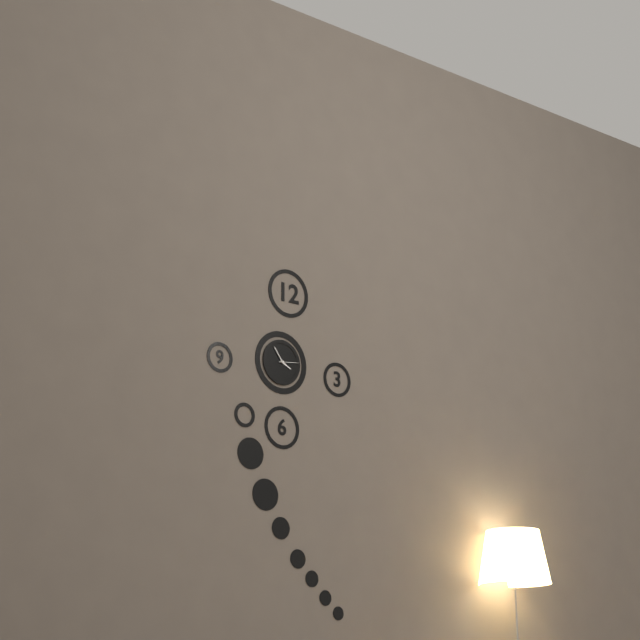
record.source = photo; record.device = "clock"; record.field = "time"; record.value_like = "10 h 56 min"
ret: 3 h 54 min
